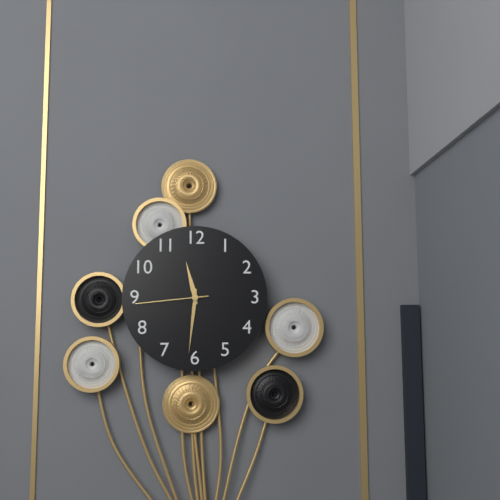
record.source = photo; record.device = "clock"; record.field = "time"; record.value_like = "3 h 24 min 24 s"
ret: 11 h 31 min 44 s
